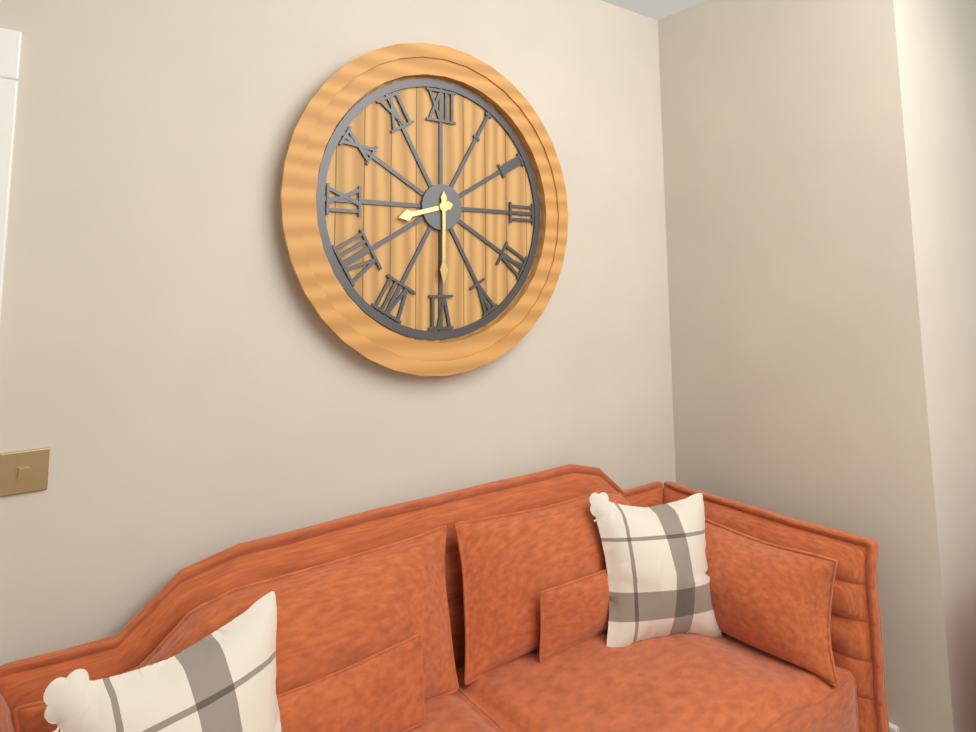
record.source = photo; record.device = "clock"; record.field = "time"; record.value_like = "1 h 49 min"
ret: 8 h 30 min
